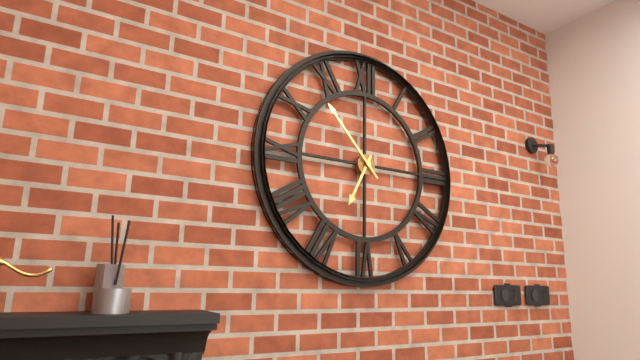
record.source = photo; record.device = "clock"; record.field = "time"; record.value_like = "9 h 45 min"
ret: 6 h 53 min
